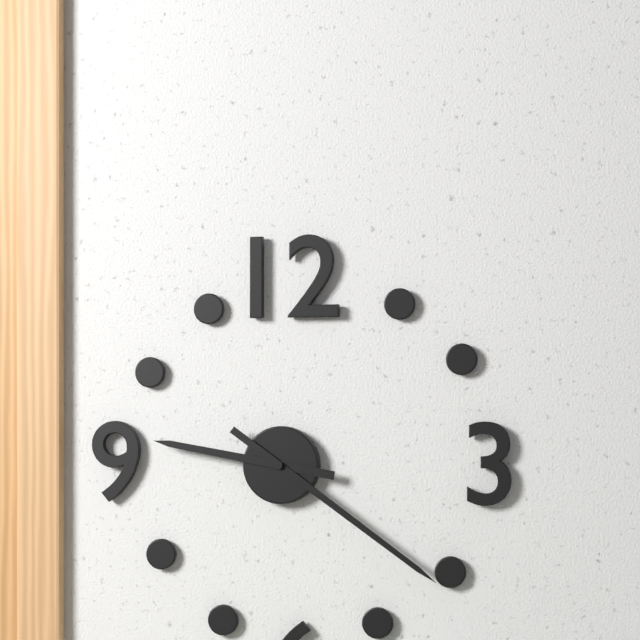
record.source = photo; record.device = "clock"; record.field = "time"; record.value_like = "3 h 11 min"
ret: 9 h 21 min
